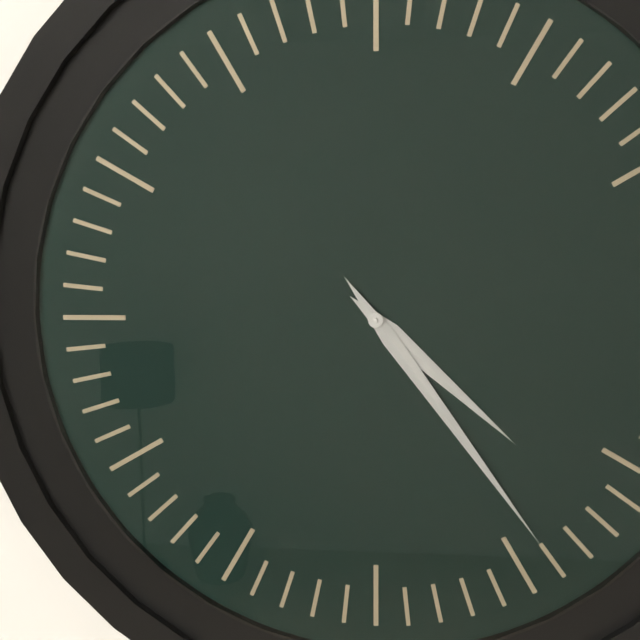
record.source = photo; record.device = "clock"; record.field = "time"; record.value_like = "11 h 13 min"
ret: 4 h 24 min
